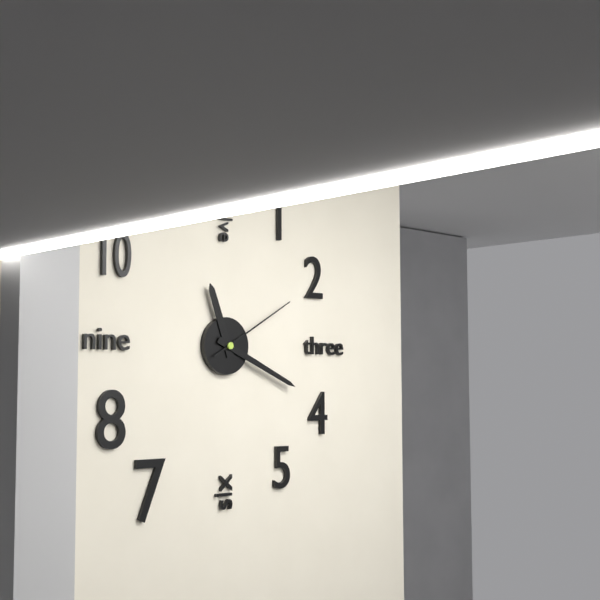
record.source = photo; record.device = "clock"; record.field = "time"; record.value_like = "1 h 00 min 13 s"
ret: 11 h 19 min 10 s
